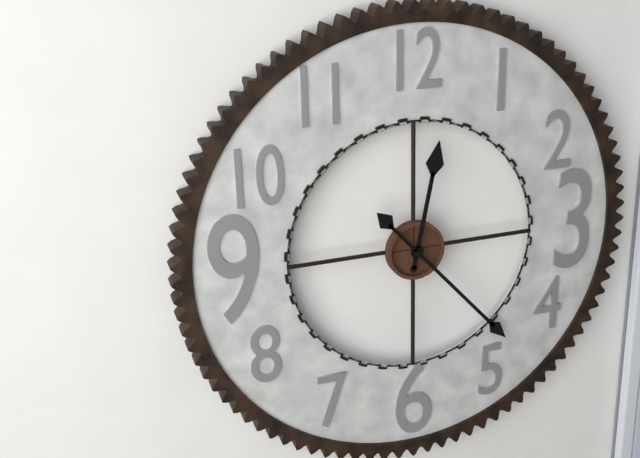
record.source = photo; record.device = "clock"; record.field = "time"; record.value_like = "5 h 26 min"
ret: 12 h 23 min
